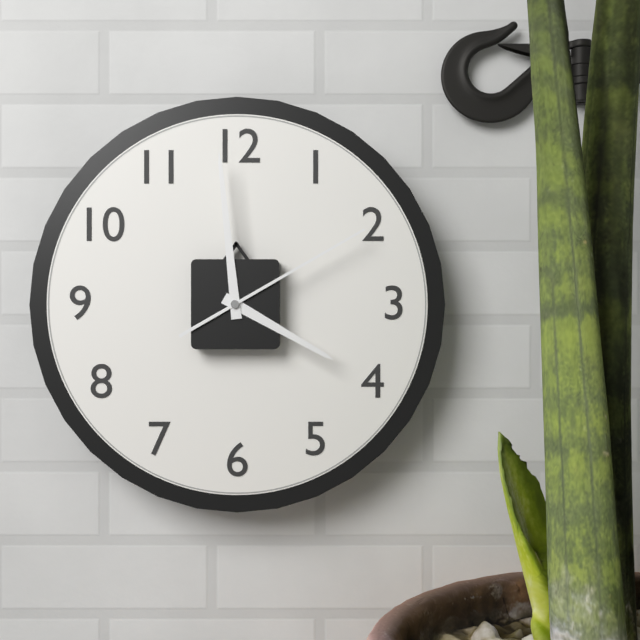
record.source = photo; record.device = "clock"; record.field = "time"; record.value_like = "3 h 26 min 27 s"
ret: 3 h 59 min 10 s
